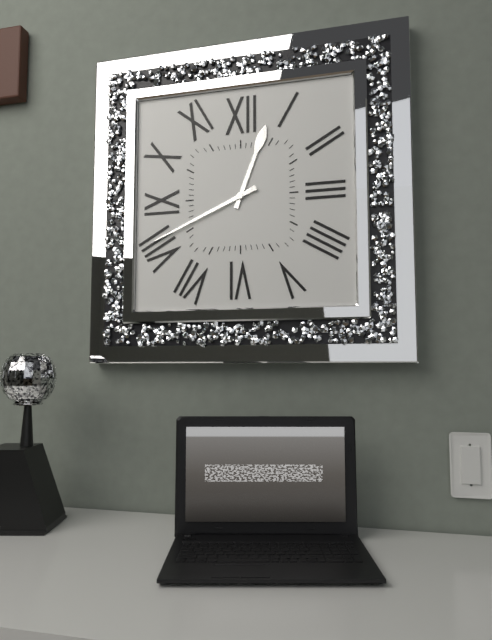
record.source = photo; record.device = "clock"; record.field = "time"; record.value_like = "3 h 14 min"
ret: 12 h 41 min
